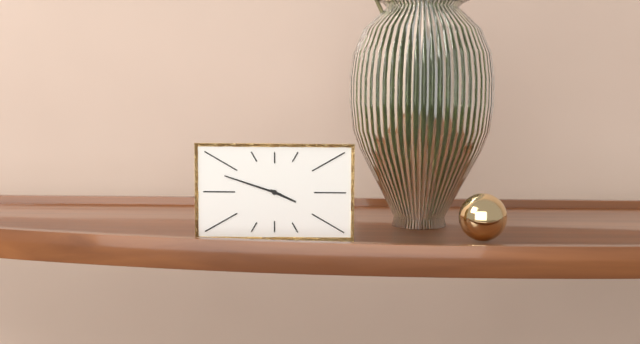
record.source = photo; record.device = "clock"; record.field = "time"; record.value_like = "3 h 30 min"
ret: 3 h 48 min
